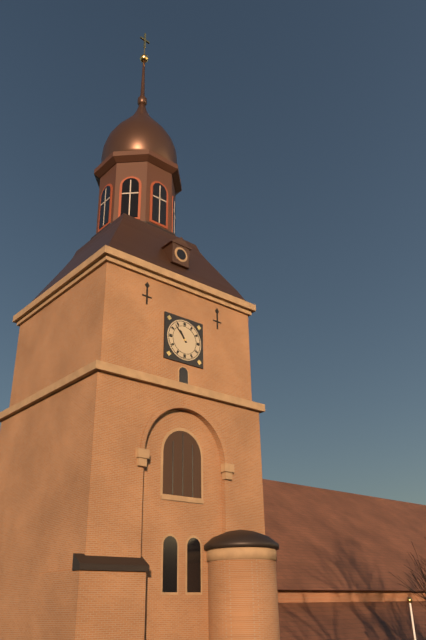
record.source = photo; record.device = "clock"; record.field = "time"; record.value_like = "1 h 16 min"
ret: 10 h 53 min
